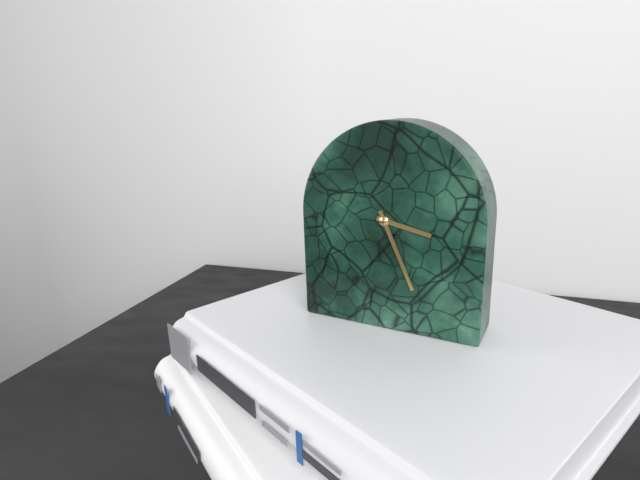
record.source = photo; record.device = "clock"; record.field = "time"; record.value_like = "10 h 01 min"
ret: 3 h 26 min
